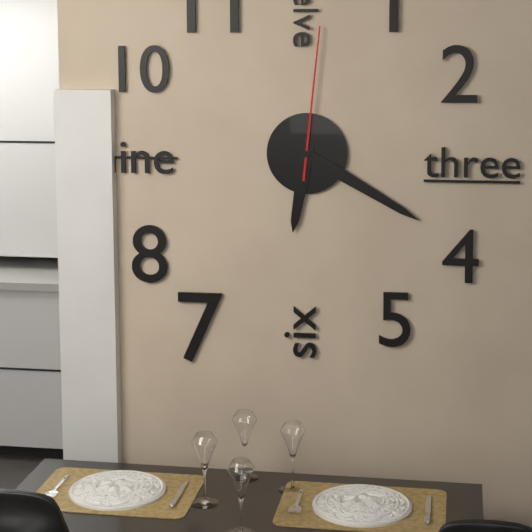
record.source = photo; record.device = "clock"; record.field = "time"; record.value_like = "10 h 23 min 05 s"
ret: 6 h 20 min 01 s
